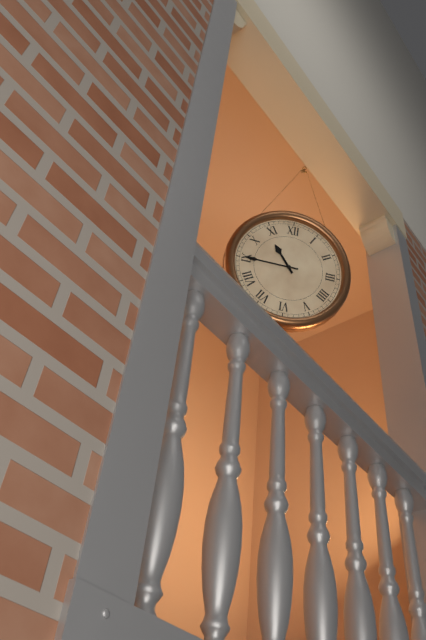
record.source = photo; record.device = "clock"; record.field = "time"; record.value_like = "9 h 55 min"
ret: 10 h 45 min
